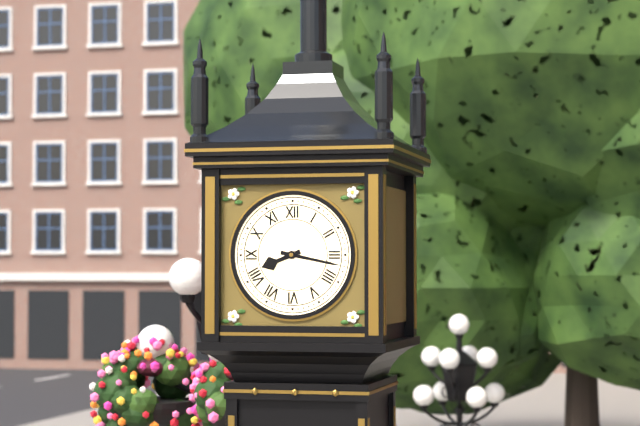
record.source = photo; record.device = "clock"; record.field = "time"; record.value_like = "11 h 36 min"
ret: 8 h 17 min
